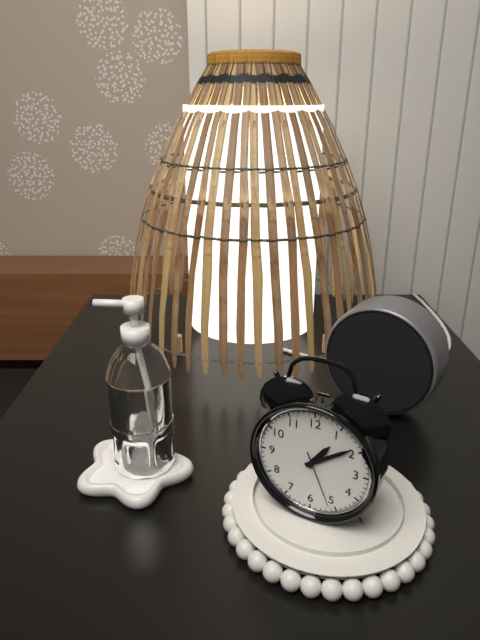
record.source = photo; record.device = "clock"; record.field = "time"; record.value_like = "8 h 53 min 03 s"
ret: 1 h 09 min 26 s
